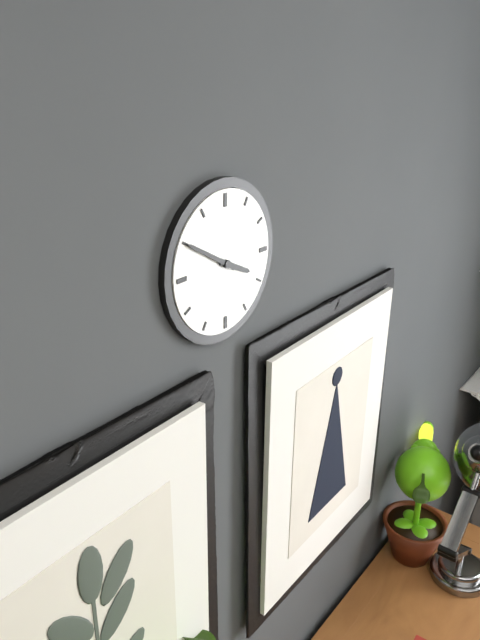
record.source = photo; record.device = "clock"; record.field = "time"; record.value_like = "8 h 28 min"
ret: 3 h 50 min
